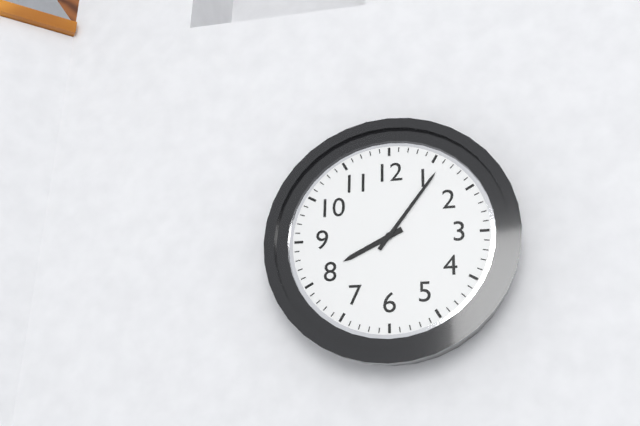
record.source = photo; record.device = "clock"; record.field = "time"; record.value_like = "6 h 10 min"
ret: 8 h 06 min
